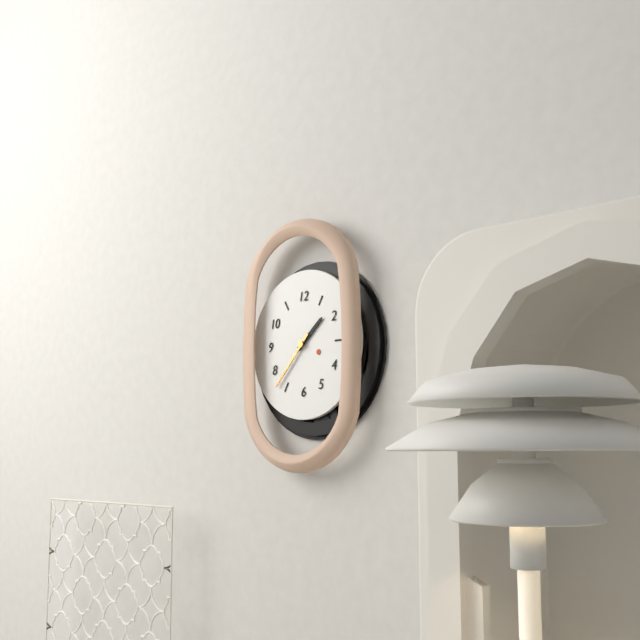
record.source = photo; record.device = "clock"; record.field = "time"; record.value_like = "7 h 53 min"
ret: 1 h 37 min
